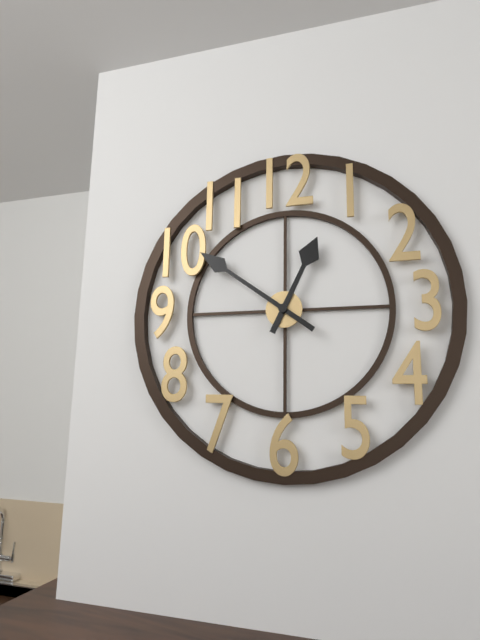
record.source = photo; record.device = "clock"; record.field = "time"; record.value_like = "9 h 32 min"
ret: 12 h 51 min
